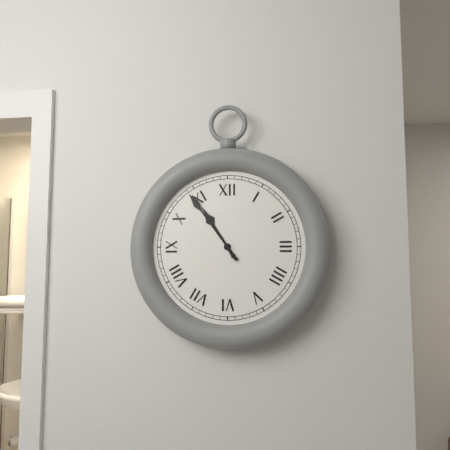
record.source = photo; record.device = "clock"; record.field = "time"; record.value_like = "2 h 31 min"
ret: 10 h 54 min
